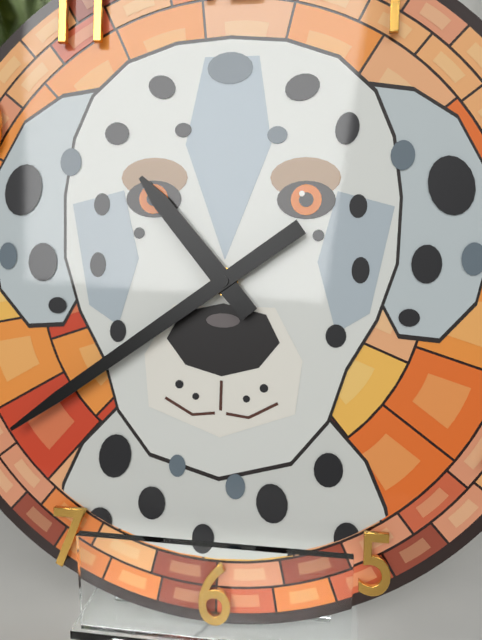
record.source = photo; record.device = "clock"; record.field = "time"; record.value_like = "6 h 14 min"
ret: 10 h 39 min
